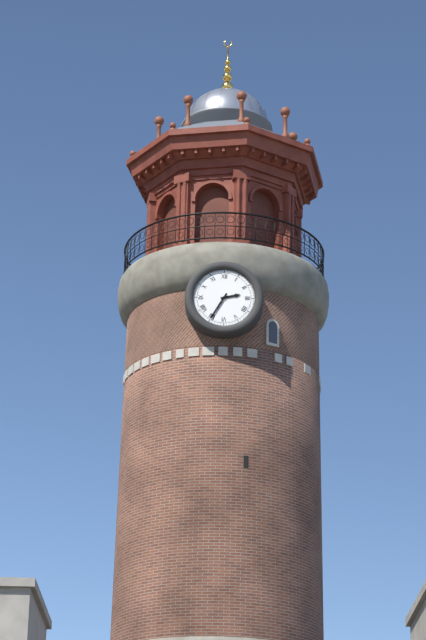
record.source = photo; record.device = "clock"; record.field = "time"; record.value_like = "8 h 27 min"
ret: 2 h 35 min
